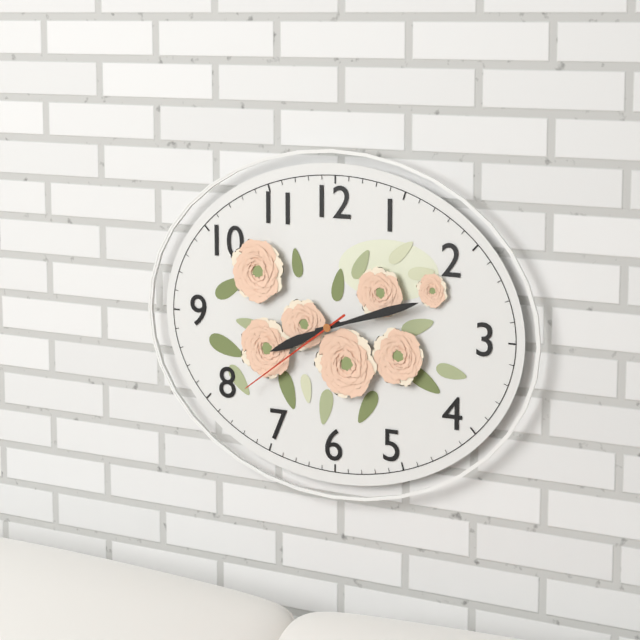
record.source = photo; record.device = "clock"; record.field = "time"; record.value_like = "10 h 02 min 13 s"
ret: 8 h 12 min 39 s
